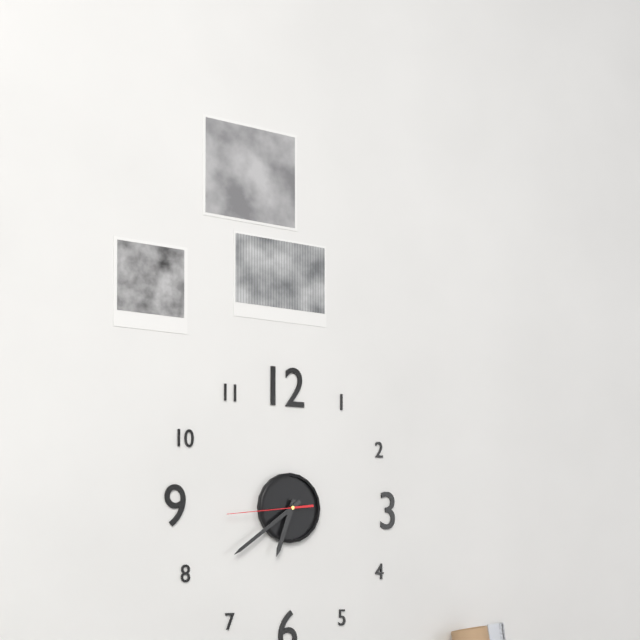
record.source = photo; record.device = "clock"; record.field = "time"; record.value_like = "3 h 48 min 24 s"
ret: 6 h 39 min 44 s
